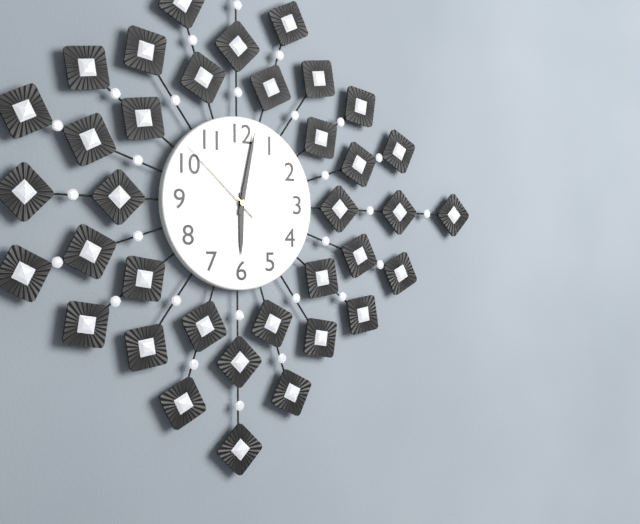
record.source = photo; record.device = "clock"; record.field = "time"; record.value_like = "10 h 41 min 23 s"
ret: 6 h 02 min 52 s
